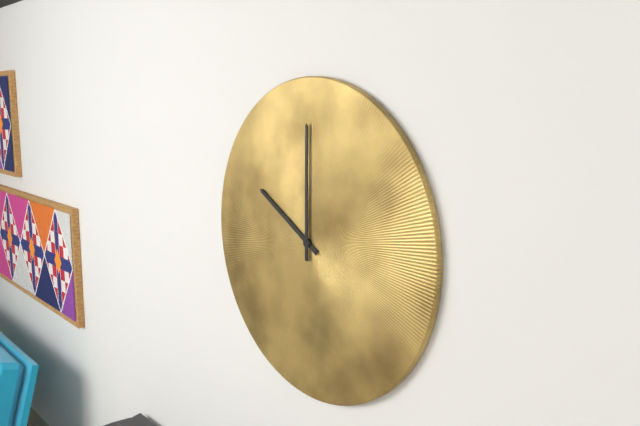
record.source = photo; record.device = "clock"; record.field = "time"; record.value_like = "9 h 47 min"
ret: 10 h 00 min
